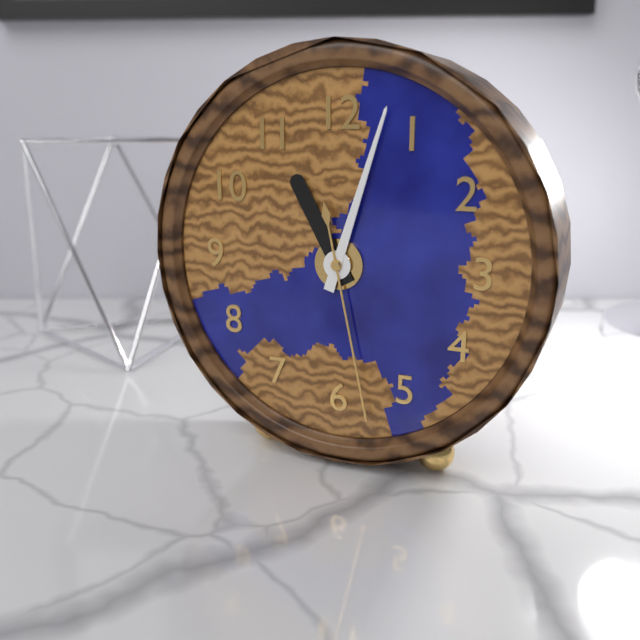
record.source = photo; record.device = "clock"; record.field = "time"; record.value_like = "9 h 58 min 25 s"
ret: 11 h 03 min 28 s
